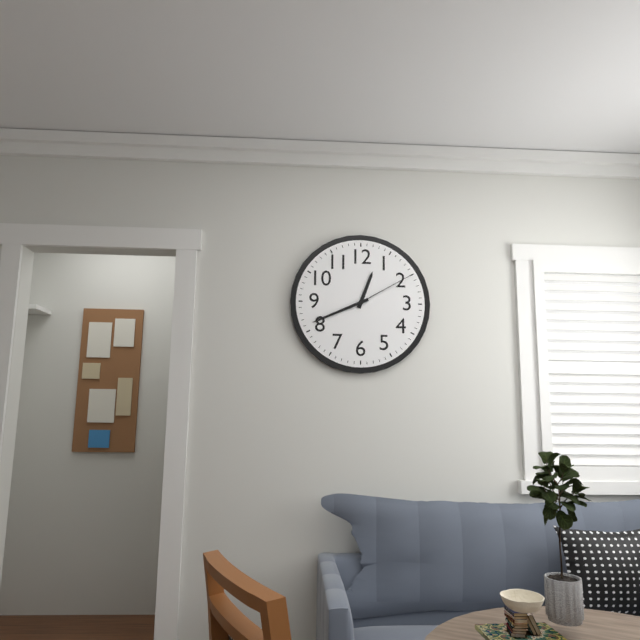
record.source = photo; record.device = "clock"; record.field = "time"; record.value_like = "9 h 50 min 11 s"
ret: 12 h 41 min 10 s
